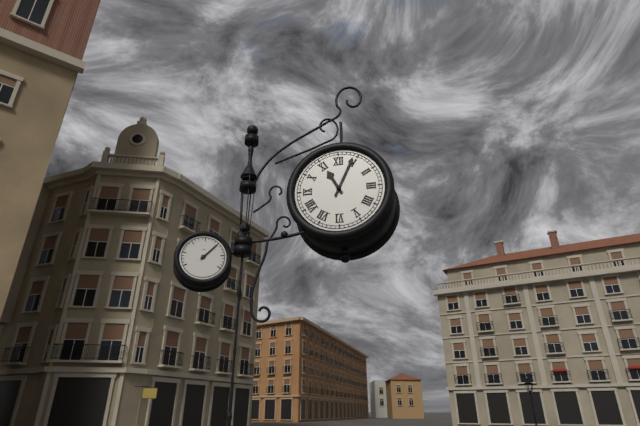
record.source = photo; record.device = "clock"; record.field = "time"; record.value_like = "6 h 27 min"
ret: 11 h 04 min
